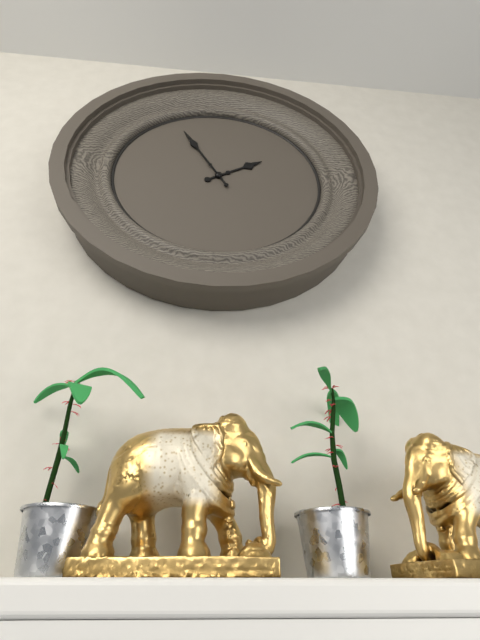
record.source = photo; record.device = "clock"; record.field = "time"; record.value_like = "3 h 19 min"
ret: 1 h 55 min
